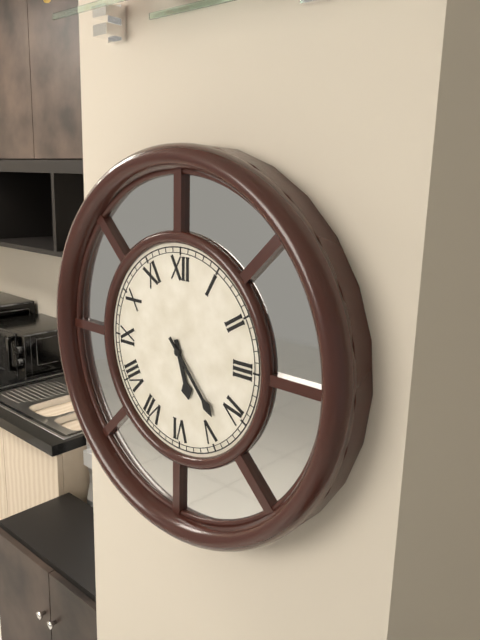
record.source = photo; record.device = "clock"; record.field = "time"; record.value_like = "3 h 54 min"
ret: 5 h 23 min
